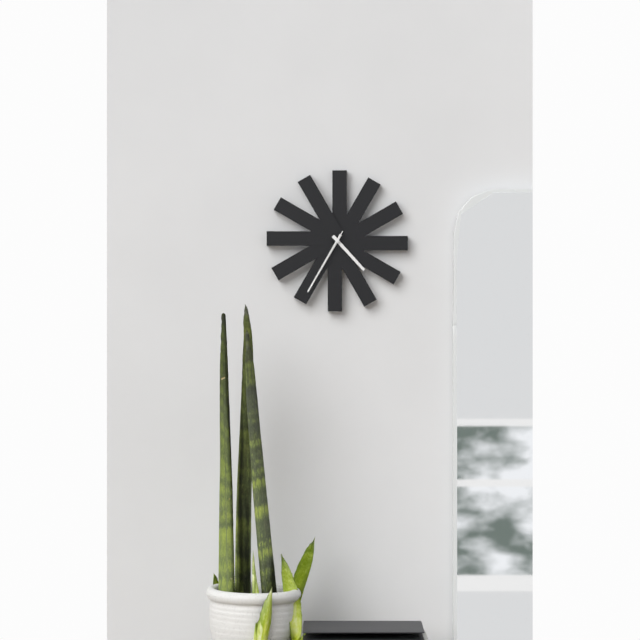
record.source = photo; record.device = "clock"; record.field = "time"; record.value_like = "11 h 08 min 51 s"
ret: 4 h 35 min 35 s
